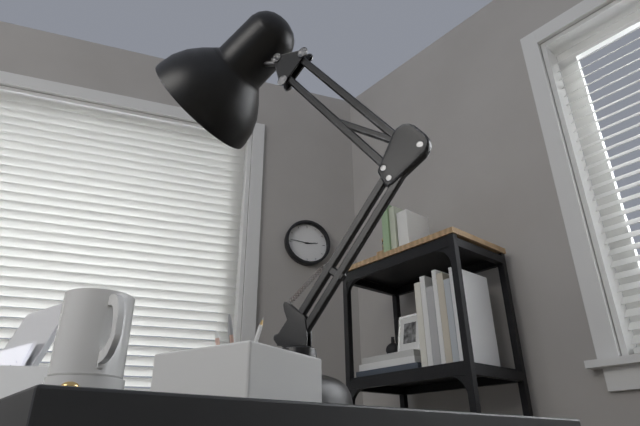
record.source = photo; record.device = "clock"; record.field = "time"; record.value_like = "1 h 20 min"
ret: 2 h 46 min
